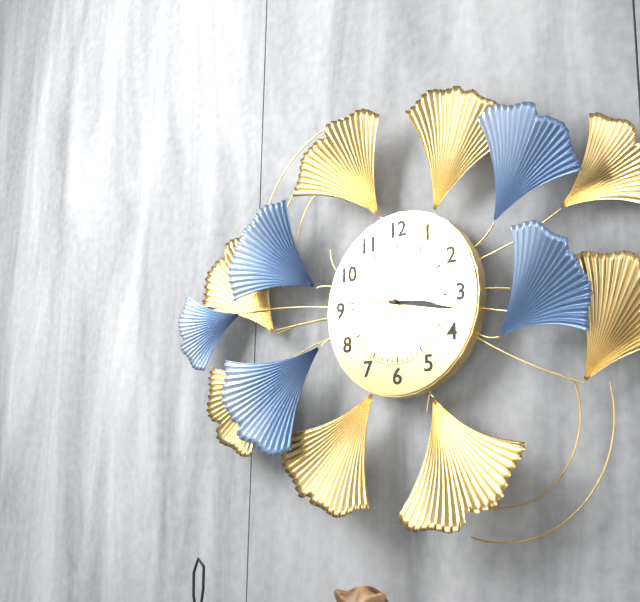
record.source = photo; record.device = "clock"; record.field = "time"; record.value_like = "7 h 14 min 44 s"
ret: 3 h 17 min 46 s
